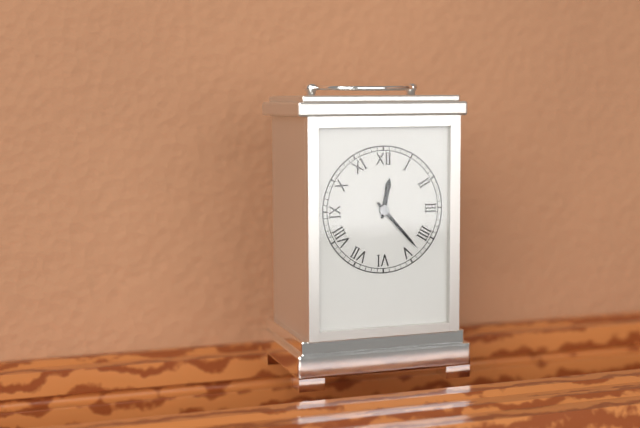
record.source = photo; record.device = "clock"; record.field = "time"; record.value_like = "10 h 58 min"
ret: 12 h 23 min
